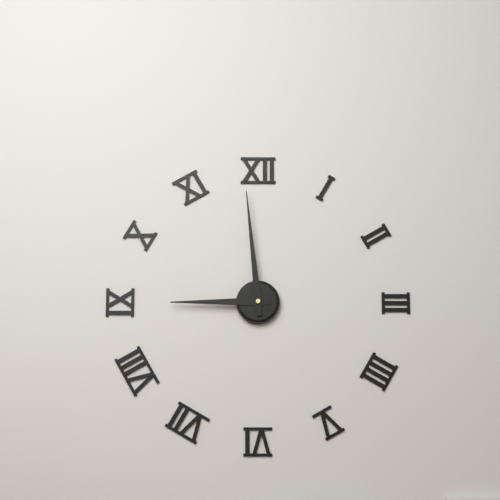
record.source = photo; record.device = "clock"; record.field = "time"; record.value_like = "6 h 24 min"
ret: 8 h 59 min
